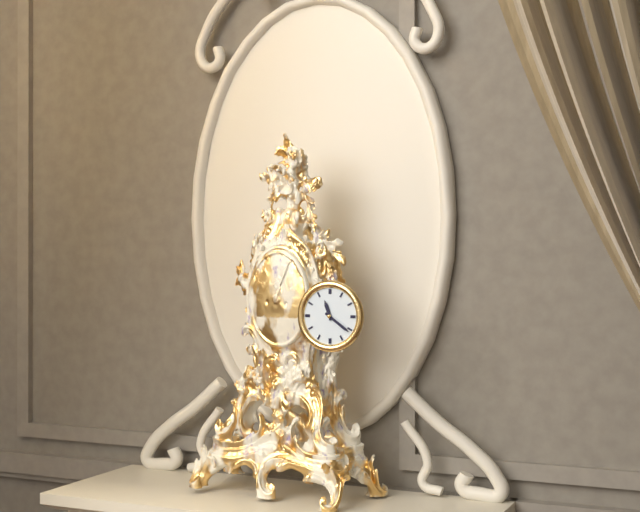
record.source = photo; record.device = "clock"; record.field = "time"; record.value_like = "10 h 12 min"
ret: 11 h 21 min
